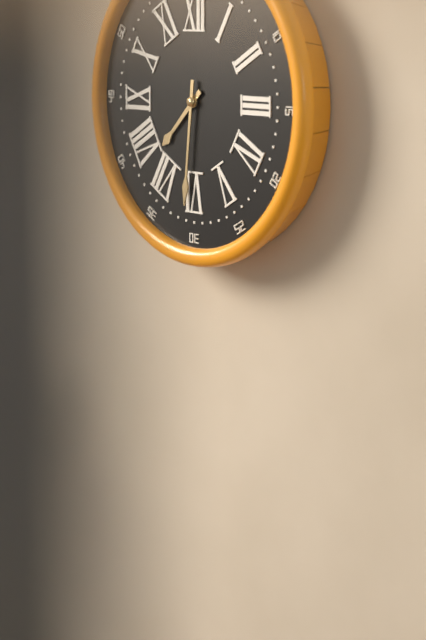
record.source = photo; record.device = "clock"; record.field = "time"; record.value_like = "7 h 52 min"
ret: 7 h 31 min
